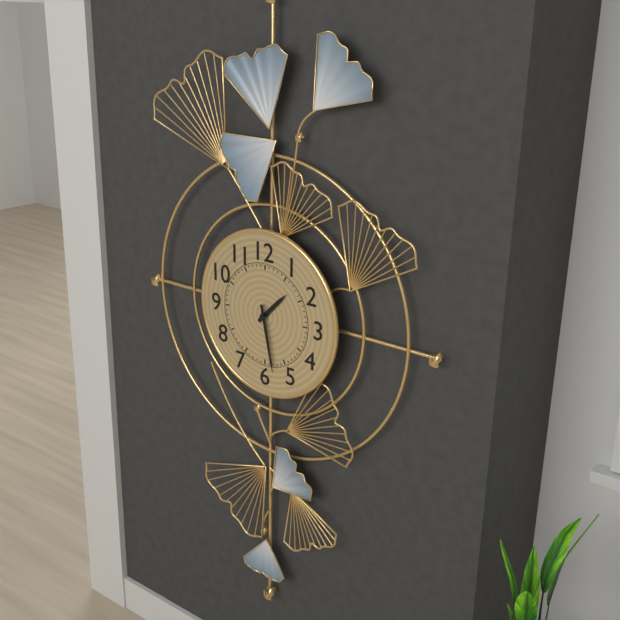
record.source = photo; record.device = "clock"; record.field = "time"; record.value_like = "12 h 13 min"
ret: 1 h 28 min
